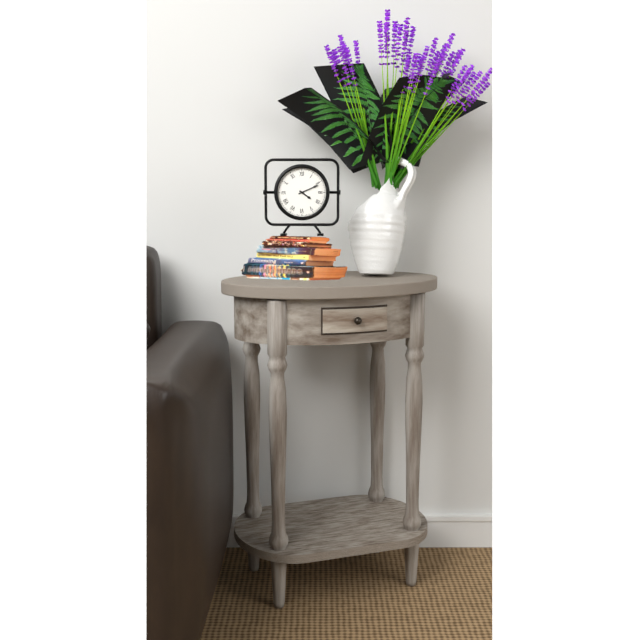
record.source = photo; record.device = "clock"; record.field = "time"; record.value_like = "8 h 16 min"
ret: 4 h 11 min
